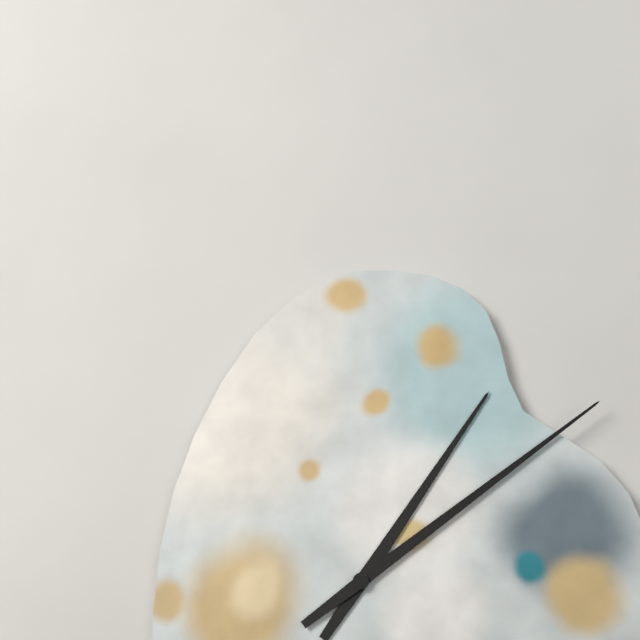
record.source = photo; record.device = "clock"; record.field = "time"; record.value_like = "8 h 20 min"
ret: 1 h 09 min
